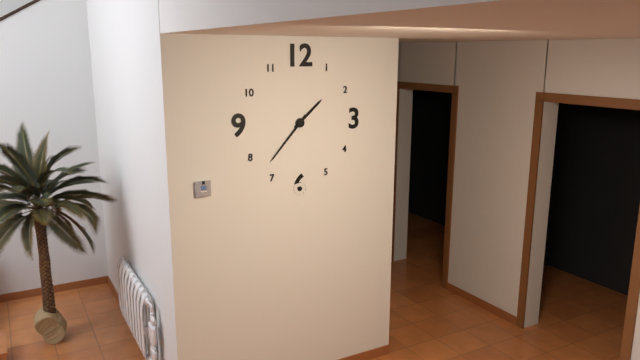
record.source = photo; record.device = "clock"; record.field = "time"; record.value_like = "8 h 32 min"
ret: 1 h 37 min
